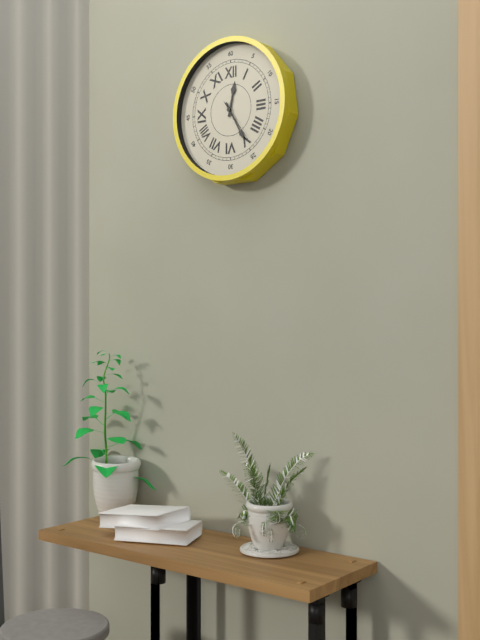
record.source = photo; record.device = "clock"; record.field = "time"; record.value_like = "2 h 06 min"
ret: 12 h 25 min
